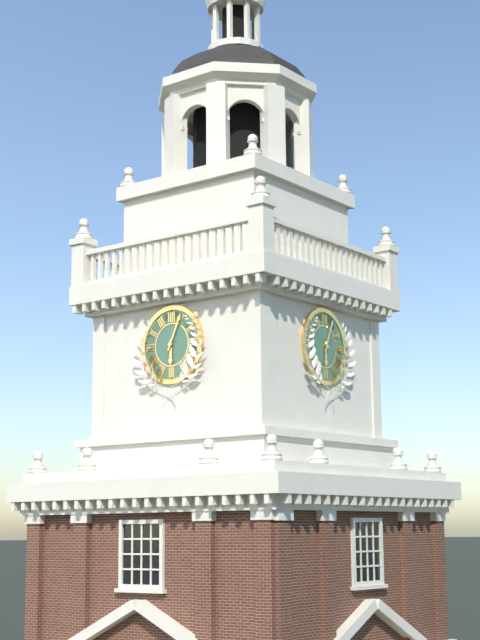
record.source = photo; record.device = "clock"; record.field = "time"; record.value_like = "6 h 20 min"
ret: 6 h 04 min
